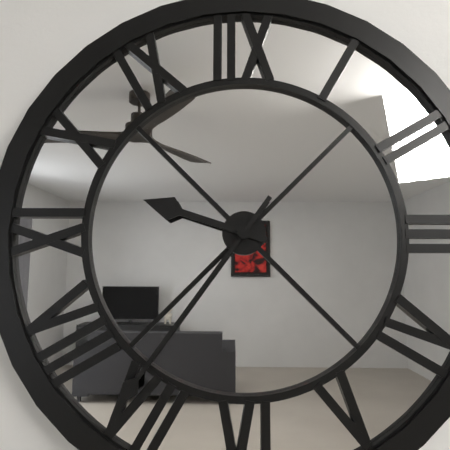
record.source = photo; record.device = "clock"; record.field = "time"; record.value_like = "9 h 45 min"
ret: 9 h 36 min
